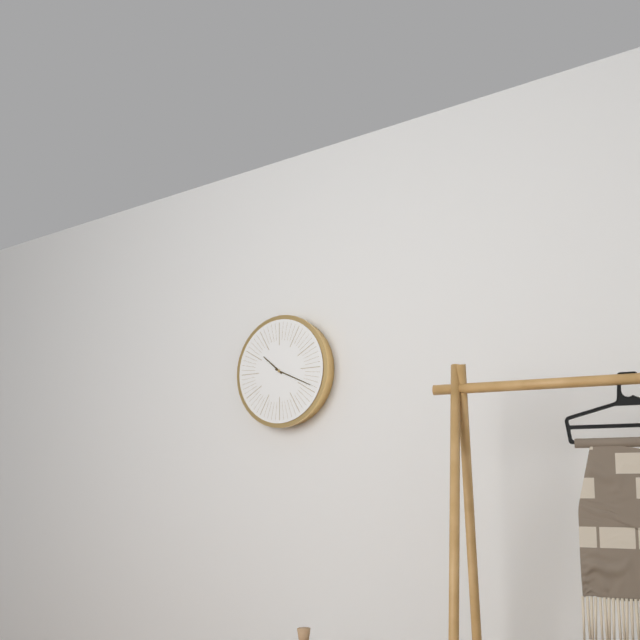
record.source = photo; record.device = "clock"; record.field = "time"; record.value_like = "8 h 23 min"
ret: 10 h 19 min
